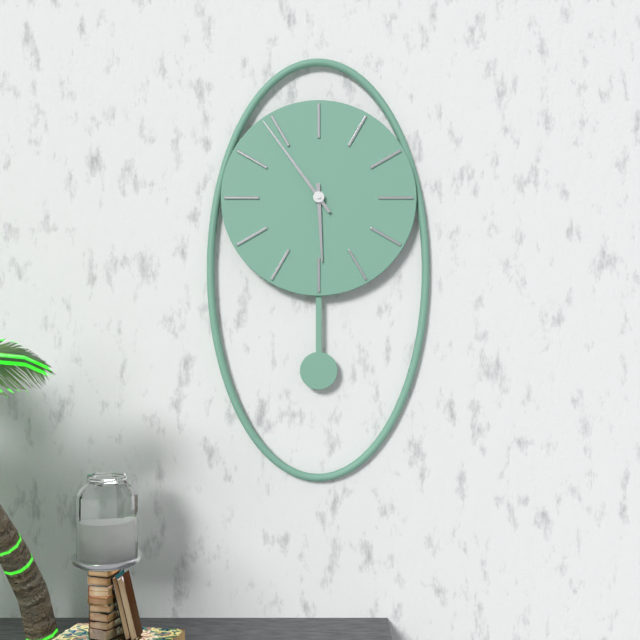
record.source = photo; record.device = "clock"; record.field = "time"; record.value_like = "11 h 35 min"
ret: 5 h 54 min
